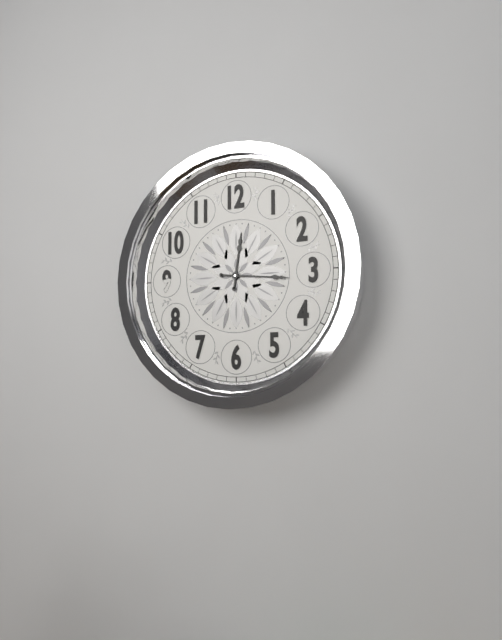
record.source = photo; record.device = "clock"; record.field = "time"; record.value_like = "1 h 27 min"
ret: 12 h 16 min
